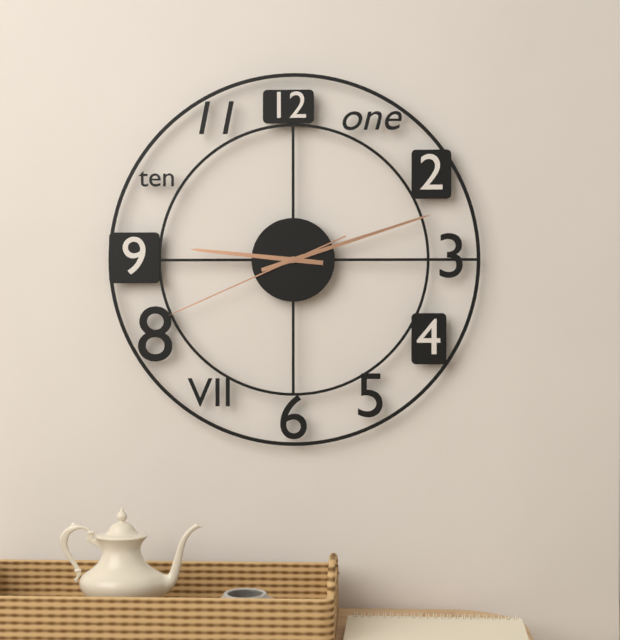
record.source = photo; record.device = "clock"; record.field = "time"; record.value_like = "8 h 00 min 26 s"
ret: 9 h 12 min 41 s
